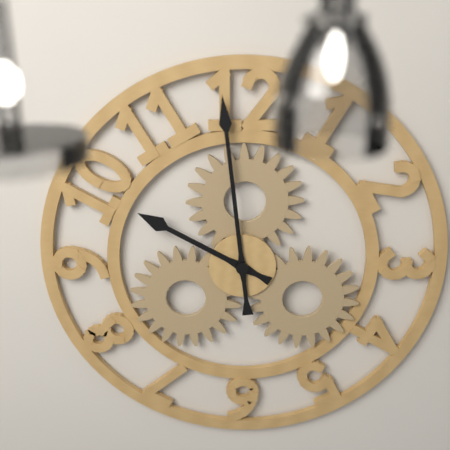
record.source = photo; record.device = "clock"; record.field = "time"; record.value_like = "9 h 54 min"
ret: 9 h 59 min
